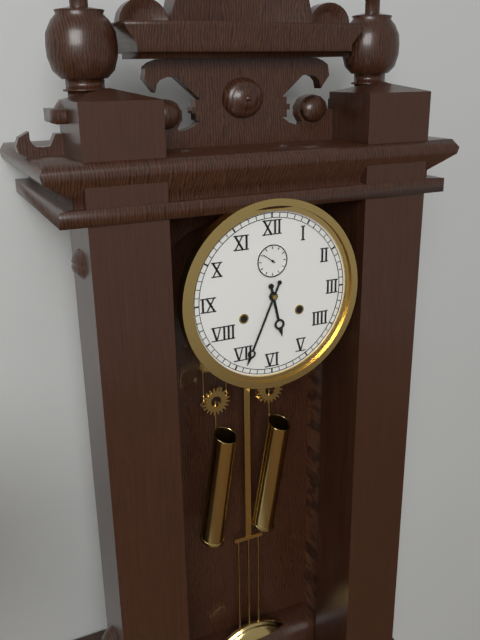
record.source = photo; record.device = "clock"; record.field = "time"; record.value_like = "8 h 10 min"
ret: 5 h 34 min
